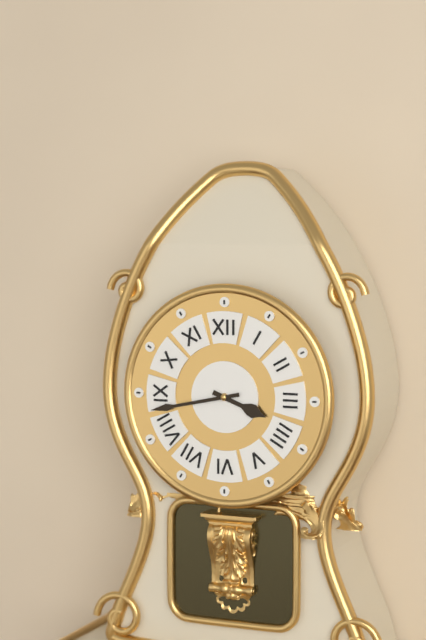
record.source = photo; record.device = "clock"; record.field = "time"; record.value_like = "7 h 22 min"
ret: 3 h 43 min
